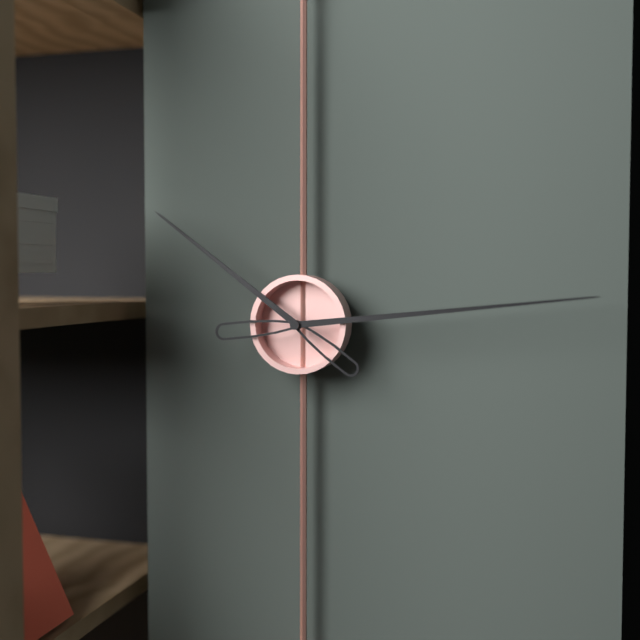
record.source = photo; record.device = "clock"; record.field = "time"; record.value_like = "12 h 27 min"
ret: 10 h 14 min
